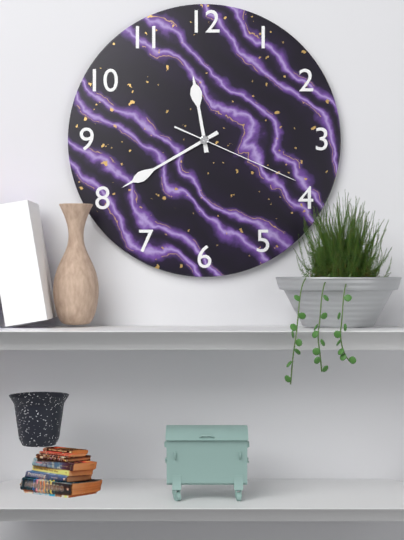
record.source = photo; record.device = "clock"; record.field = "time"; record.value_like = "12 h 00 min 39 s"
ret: 11 h 40 min 19 s
